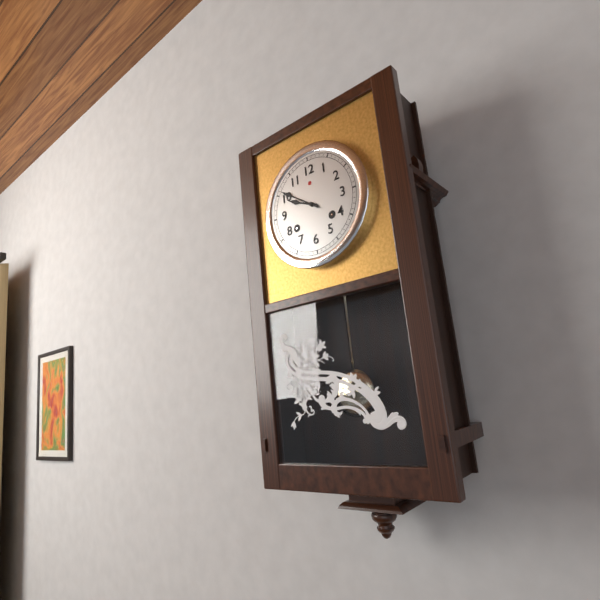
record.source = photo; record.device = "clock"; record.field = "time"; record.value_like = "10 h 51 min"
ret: 9 h 51 min
